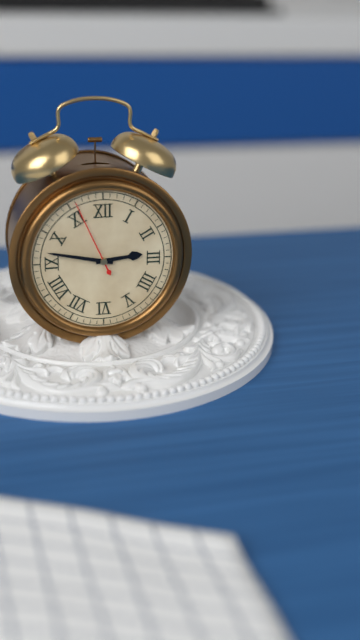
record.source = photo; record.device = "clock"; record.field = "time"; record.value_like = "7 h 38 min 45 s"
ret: 2 h 47 min 56 s
